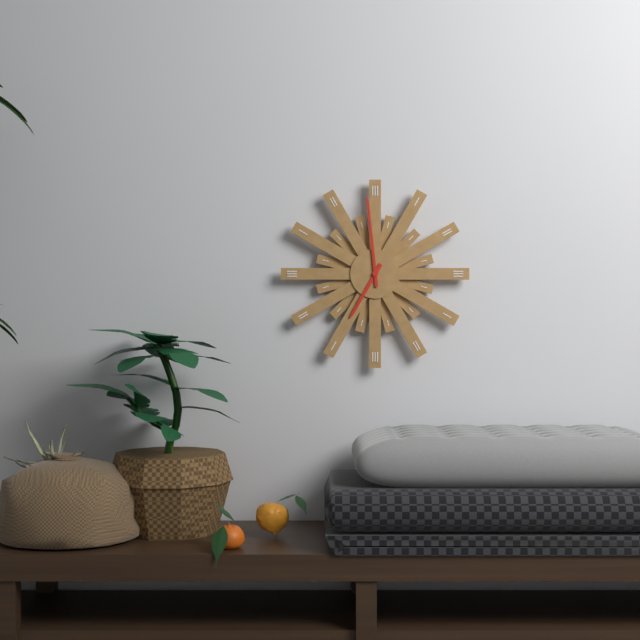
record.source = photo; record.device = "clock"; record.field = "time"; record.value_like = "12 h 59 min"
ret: 6 h 59 min
